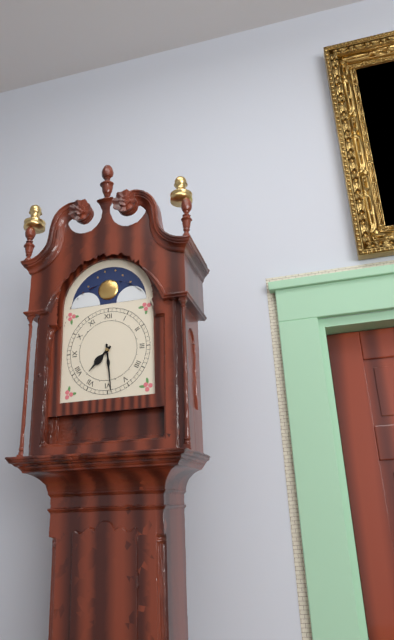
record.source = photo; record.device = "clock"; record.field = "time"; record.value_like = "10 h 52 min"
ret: 7 h 29 min
